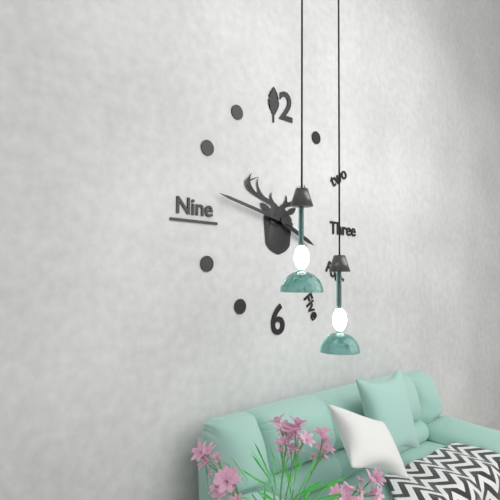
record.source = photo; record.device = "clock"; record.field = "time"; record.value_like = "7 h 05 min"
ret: 3 h 47 min
